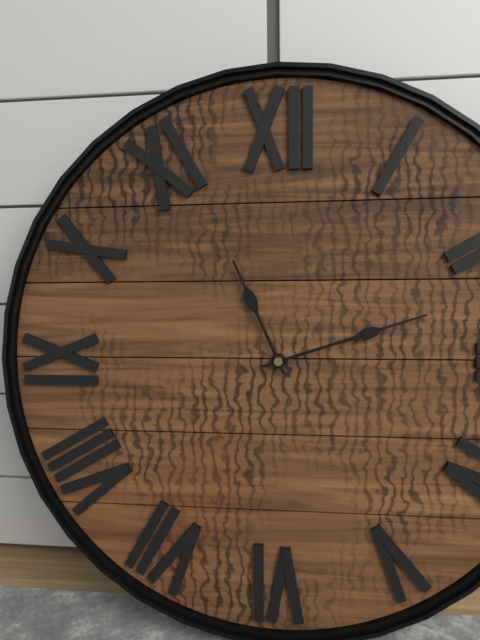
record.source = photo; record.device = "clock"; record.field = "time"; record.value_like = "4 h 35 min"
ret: 11 h 12 min
